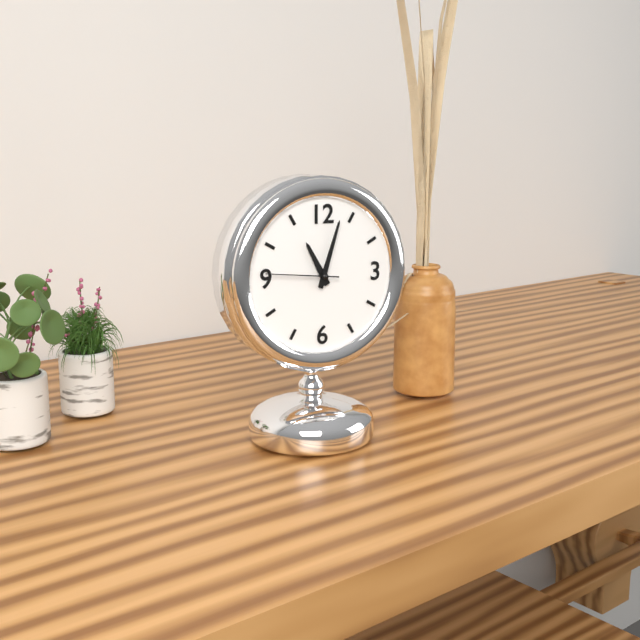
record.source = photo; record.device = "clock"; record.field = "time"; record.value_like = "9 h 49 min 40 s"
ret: 11 h 03 min 46 s
